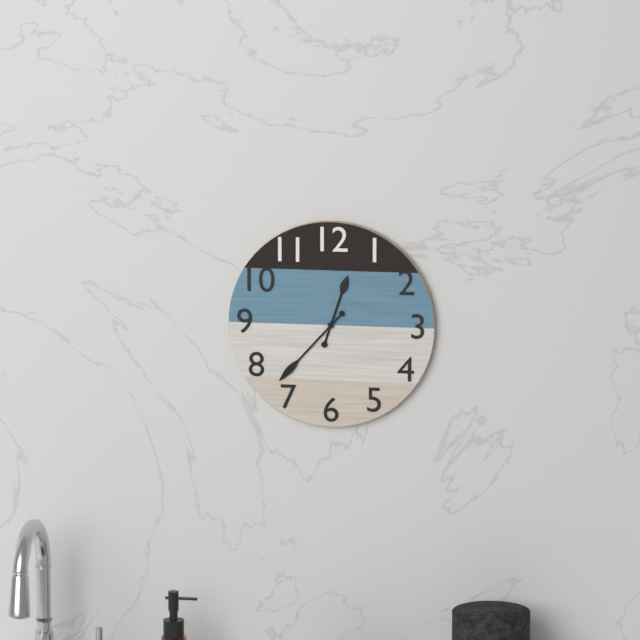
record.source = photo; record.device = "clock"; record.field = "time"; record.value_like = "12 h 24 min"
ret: 12 h 37 min
